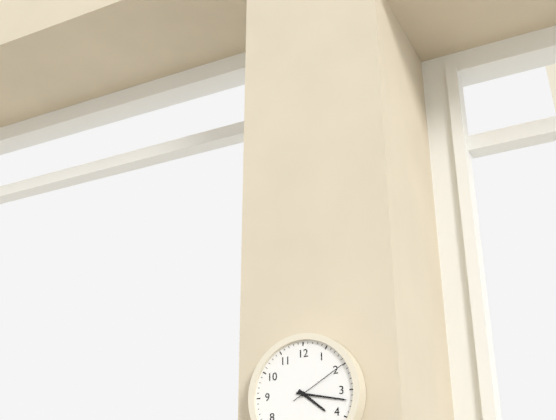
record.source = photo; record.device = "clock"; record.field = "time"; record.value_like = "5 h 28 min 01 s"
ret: 4 h 17 min 10 s
